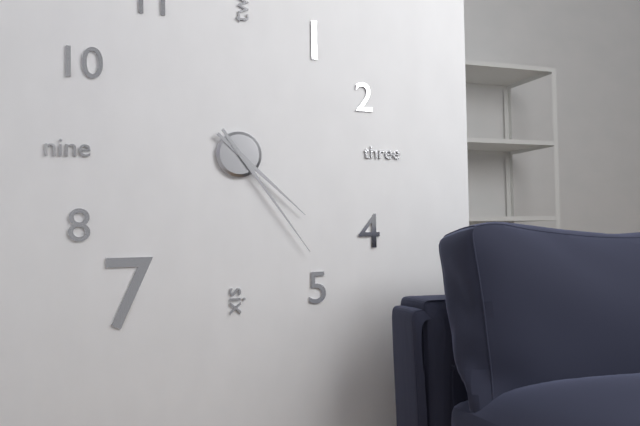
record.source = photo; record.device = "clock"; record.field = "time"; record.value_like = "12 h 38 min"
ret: 4 h 24 min
